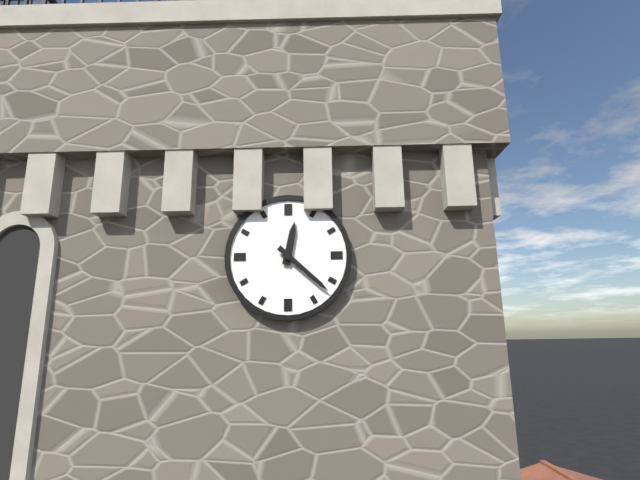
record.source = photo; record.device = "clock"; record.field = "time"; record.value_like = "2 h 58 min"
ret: 12 h 22 min
